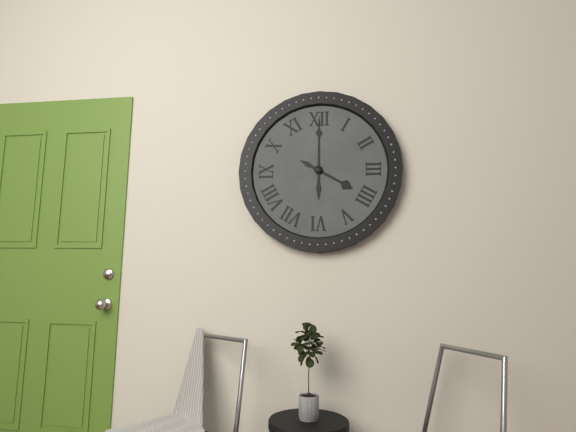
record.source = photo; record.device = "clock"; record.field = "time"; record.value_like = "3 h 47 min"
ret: 4 h 00 min
